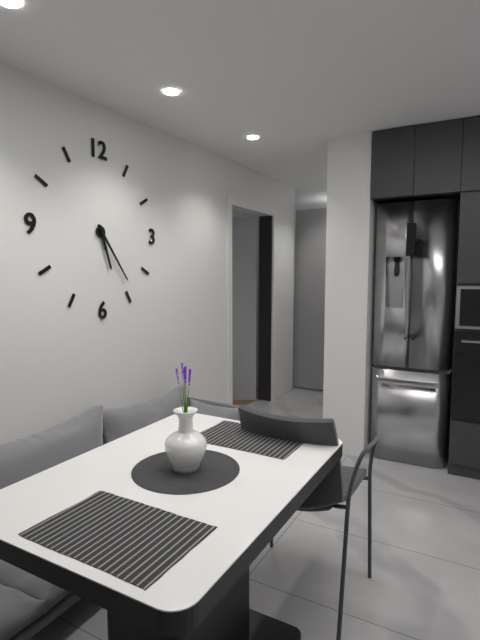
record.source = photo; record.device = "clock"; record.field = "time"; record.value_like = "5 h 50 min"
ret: 5 h 24 min
